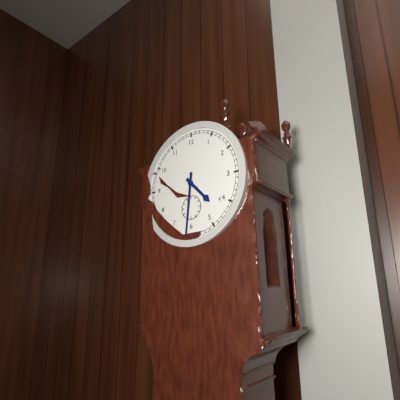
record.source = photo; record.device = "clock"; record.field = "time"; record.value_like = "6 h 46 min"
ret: 4 h 31 min
